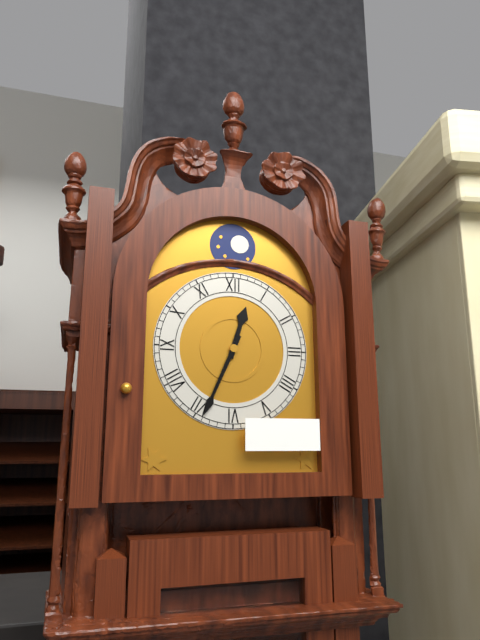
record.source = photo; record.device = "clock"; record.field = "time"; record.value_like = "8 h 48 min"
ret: 12 h 34 min
